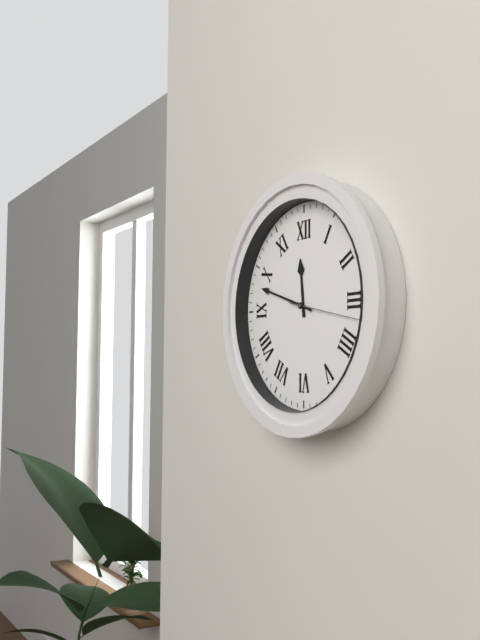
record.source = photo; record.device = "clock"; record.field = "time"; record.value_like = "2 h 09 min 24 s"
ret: 11 h 48 min 17 s
